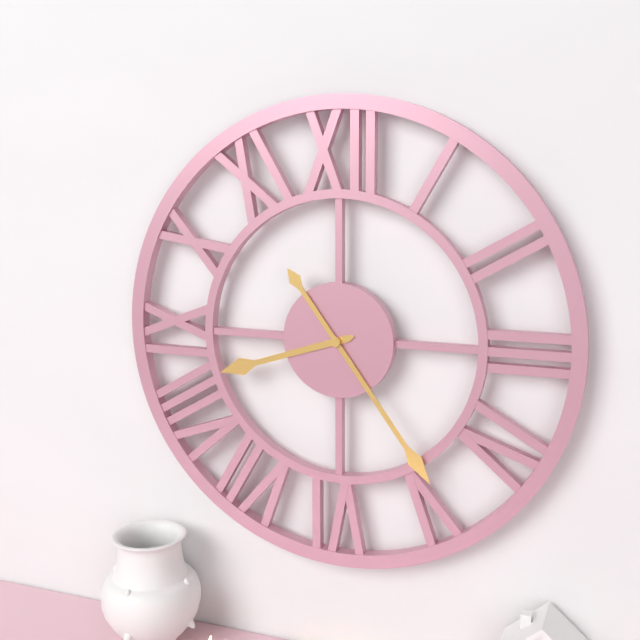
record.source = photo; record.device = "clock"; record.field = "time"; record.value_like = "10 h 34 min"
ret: 8 h 24 min
